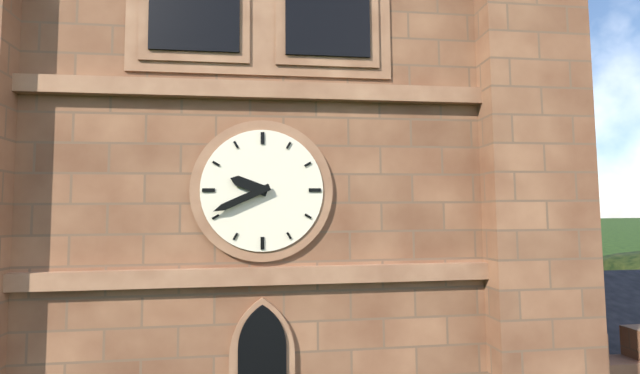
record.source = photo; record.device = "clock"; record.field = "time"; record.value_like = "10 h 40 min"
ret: 9 h 41 min
